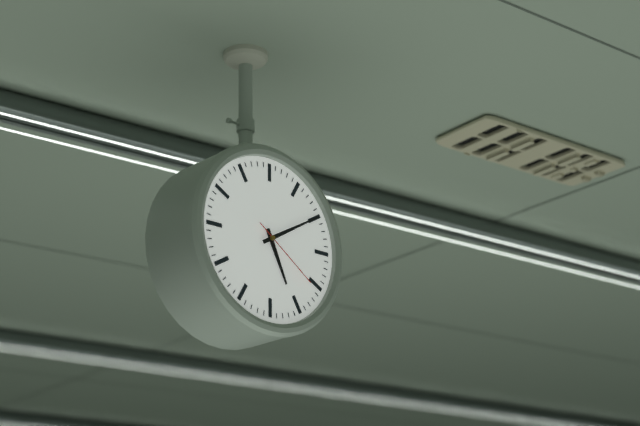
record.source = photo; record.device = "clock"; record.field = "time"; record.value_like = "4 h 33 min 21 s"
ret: 5 h 10 min 21 s
